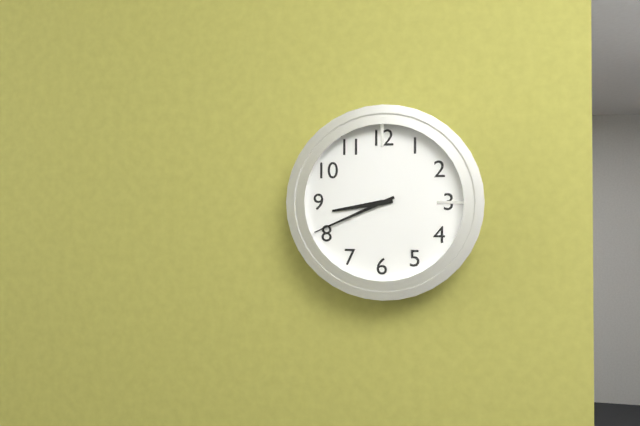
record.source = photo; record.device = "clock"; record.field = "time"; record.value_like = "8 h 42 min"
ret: 8 h 41 min
